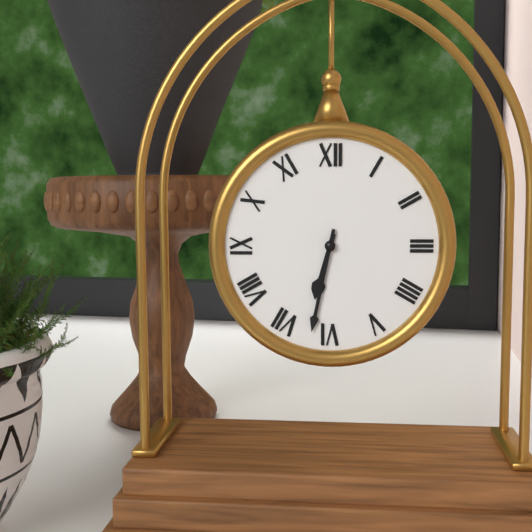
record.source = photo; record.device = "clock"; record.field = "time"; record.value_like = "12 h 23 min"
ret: 6 h 32 min
